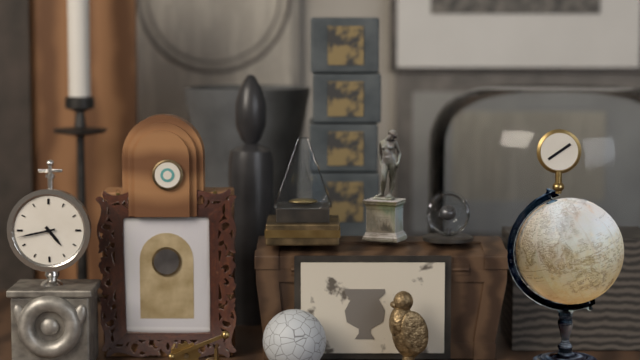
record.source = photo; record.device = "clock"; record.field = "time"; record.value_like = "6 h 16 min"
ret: 4 h 43 min
